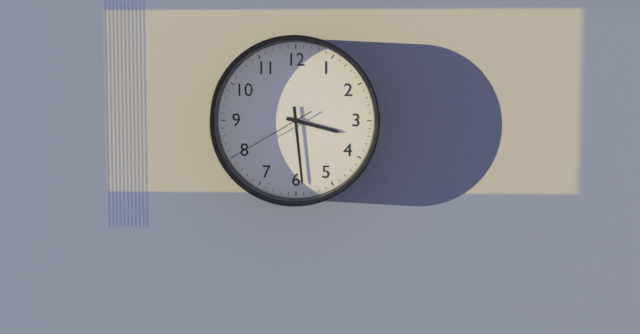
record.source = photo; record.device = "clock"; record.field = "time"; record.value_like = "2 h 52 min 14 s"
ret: 3 h 29 min 40 s
